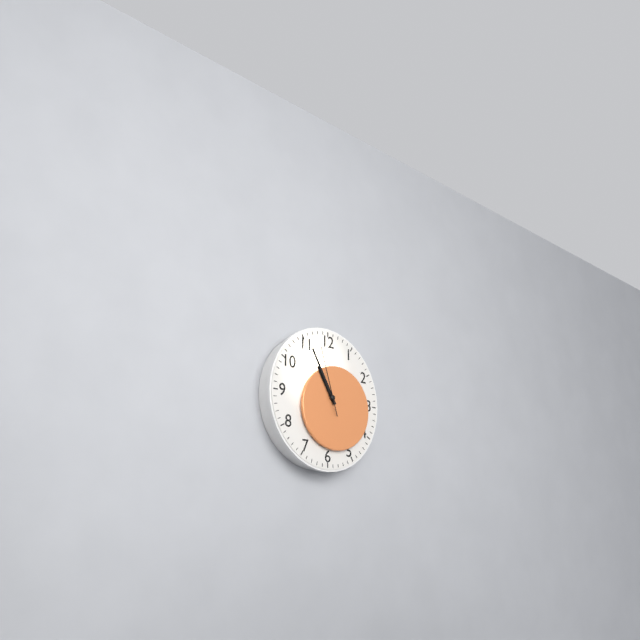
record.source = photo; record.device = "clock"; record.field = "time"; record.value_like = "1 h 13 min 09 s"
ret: 10 h 55 min 57 s
